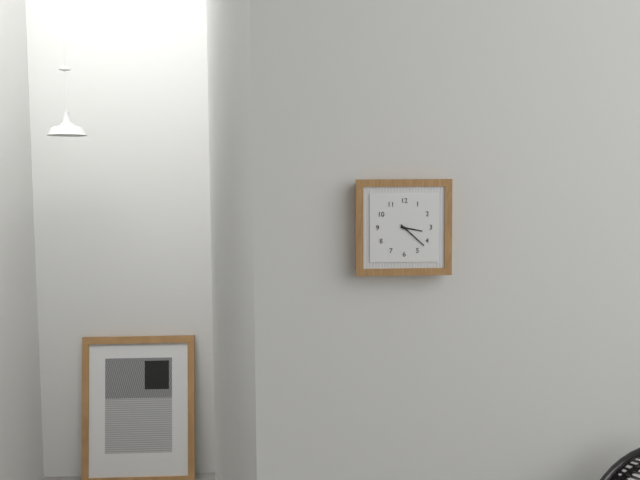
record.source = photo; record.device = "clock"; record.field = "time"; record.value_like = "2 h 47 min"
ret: 3 h 22 min
